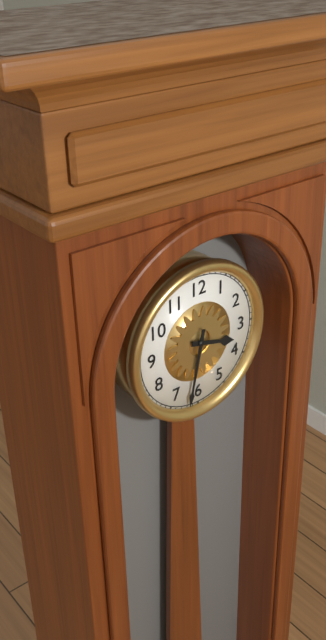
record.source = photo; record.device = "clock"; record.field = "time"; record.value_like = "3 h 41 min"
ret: 3 h 32 min
